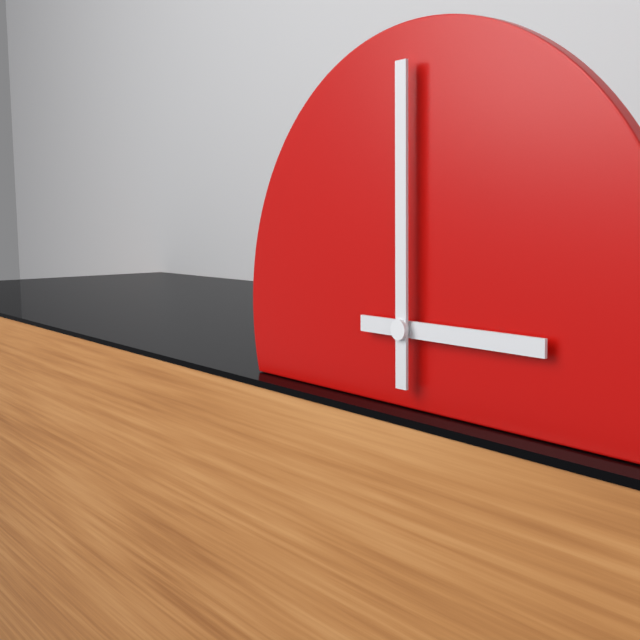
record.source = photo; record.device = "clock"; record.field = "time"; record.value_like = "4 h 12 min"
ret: 3 h 00 min
